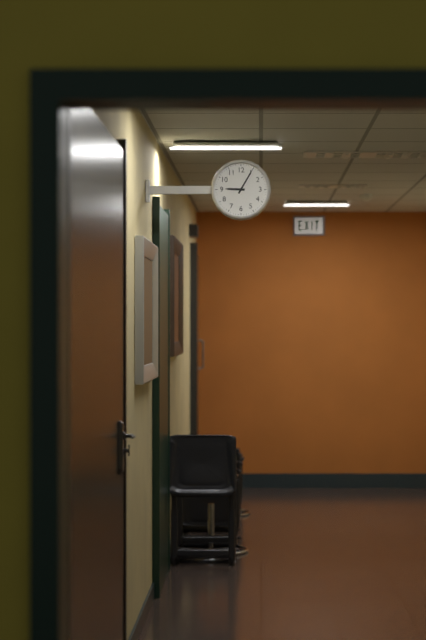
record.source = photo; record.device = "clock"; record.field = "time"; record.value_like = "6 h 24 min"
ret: 9 h 05 min
